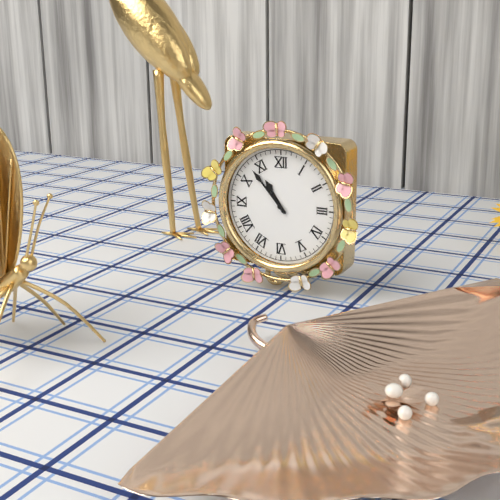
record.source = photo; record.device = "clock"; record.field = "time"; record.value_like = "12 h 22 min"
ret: 10 h 53 min
